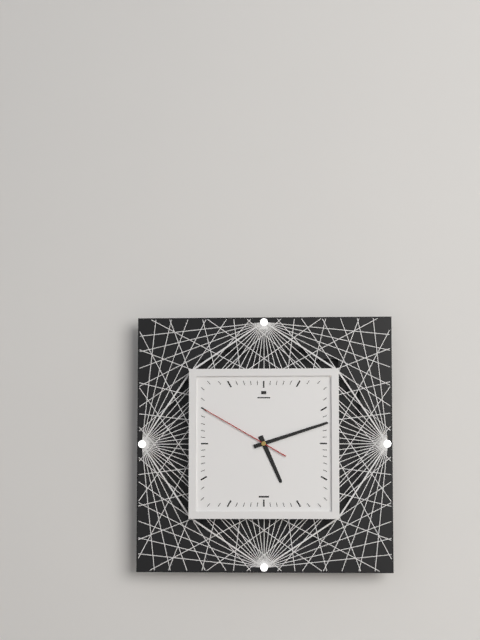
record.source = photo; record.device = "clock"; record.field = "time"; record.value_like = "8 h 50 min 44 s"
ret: 5 h 12 min 50 s
